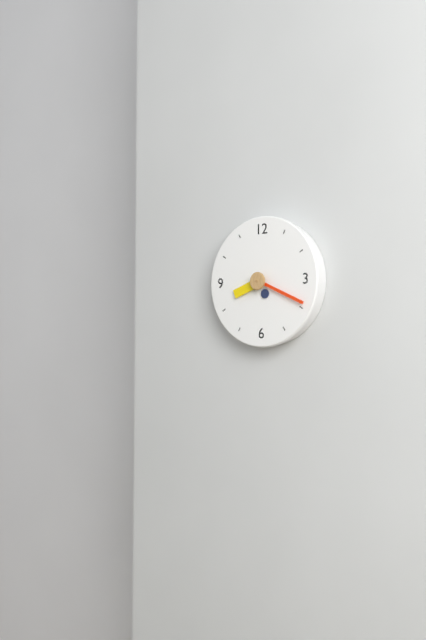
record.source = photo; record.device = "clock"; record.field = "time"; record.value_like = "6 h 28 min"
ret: 8 h 19 min
